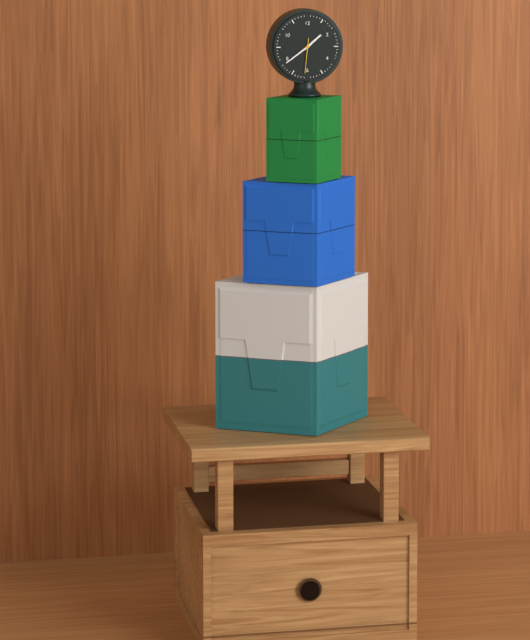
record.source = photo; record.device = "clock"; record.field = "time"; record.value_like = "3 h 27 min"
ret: 1 h 39 min
